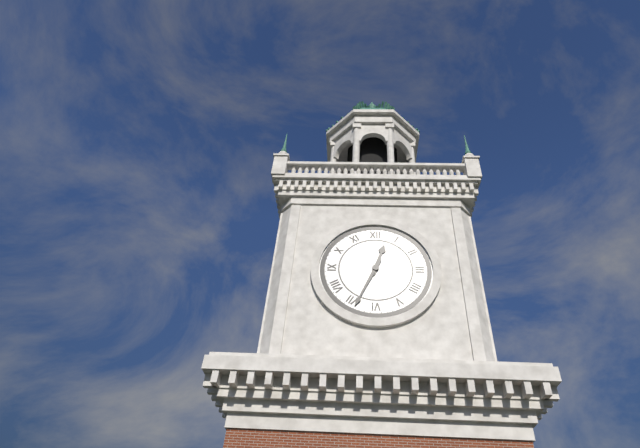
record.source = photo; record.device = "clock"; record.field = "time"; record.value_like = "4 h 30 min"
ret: 12 h 34 min
